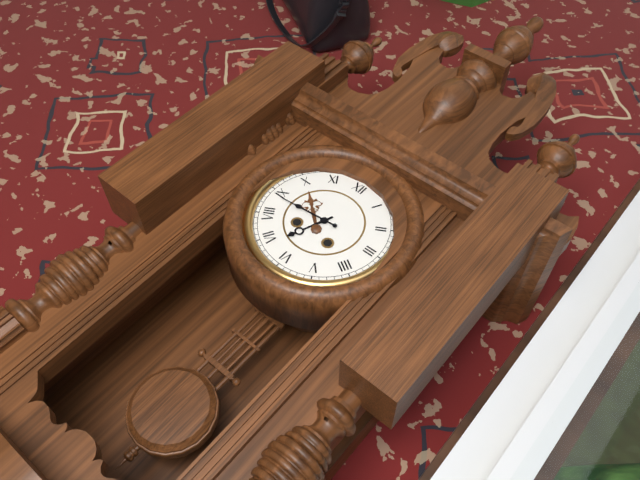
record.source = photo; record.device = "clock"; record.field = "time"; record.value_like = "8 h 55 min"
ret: 6 h 44 min
